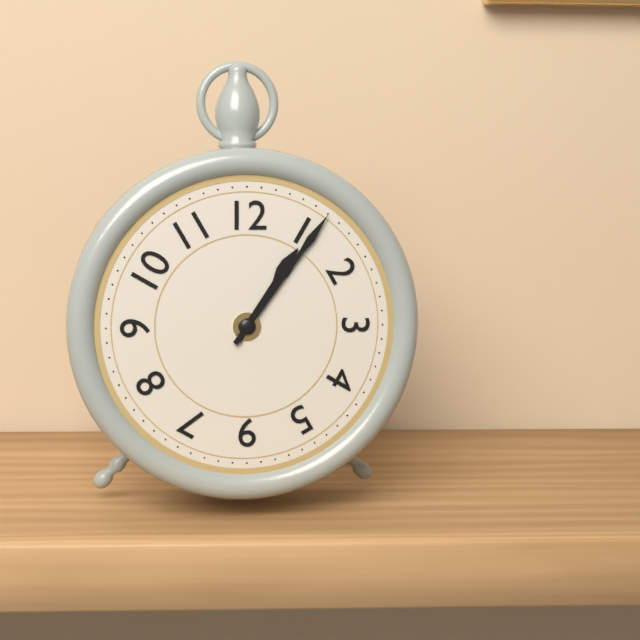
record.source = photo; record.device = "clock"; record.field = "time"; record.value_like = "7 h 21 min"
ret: 1 h 06 min
